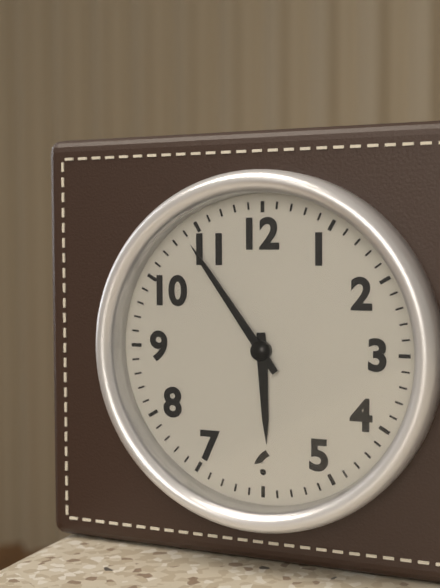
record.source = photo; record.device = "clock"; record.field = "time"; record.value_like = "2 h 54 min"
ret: 5 h 54 min
